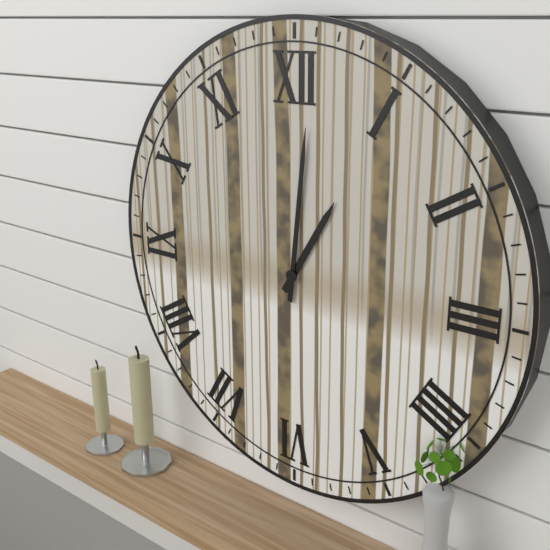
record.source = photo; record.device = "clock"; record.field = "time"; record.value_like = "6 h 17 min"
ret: 1 h 01 min
